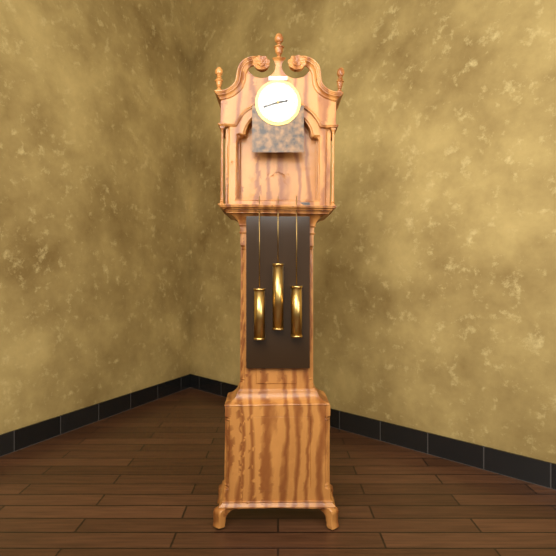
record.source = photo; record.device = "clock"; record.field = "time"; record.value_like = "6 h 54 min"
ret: 2 h 42 min
